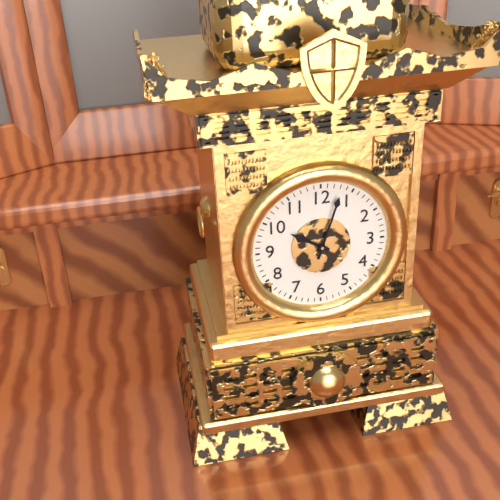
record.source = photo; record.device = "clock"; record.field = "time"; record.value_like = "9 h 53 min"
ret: 10 h 03 min
